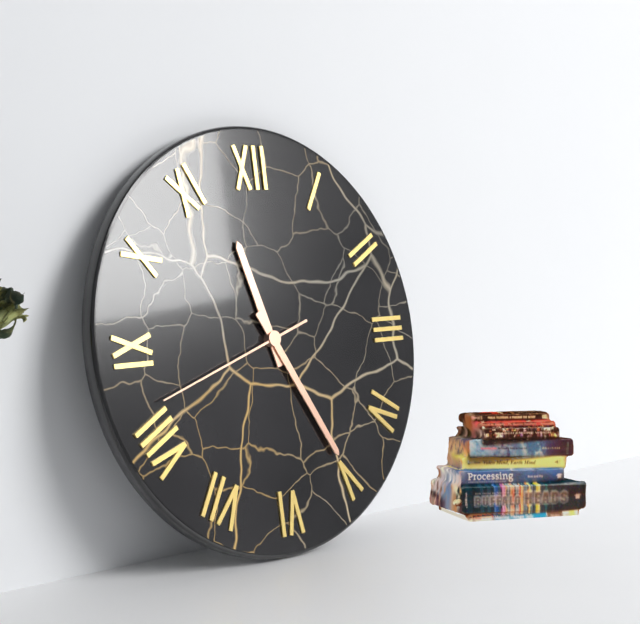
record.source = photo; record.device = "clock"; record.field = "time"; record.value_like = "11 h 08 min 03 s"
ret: 11 h 25 min 42 s
